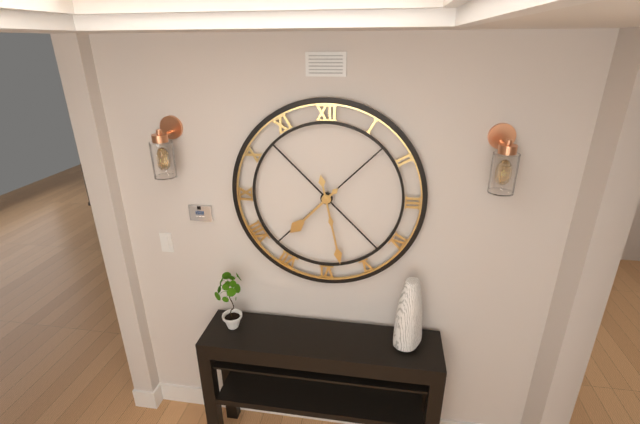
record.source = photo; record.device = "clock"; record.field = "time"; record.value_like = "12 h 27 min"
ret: 7 h 28 min
